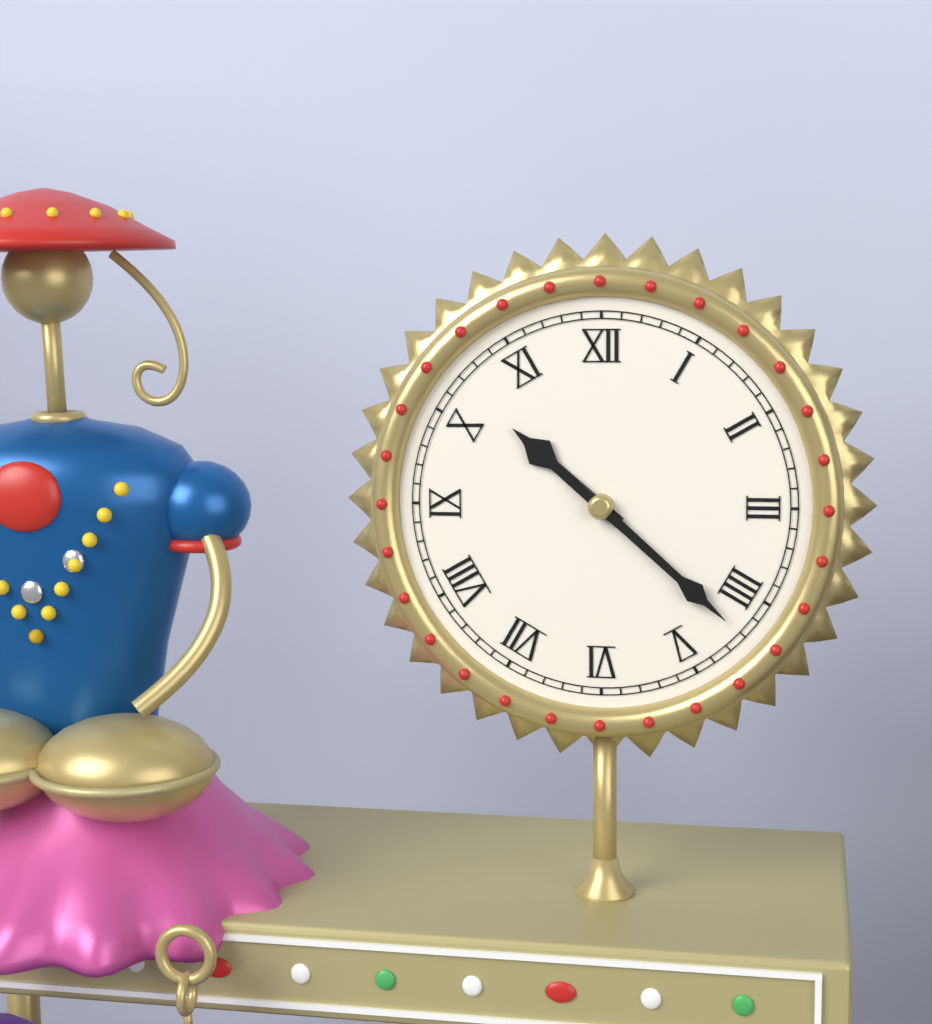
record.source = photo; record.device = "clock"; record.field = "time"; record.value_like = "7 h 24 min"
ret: 10 h 22 min
